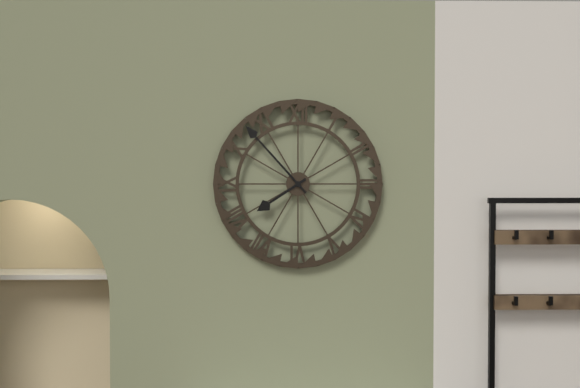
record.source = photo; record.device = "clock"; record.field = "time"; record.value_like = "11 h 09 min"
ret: 7 h 53 min
